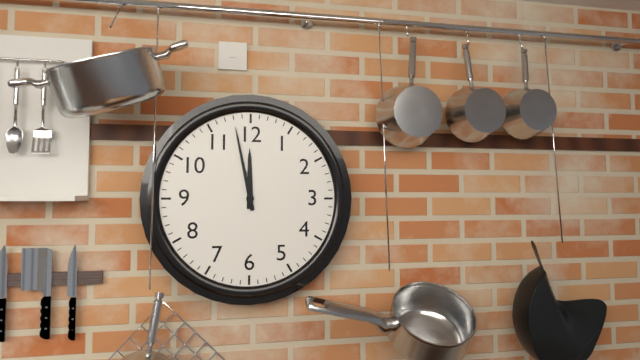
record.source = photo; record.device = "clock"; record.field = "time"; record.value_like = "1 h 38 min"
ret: 11 h 58 min
